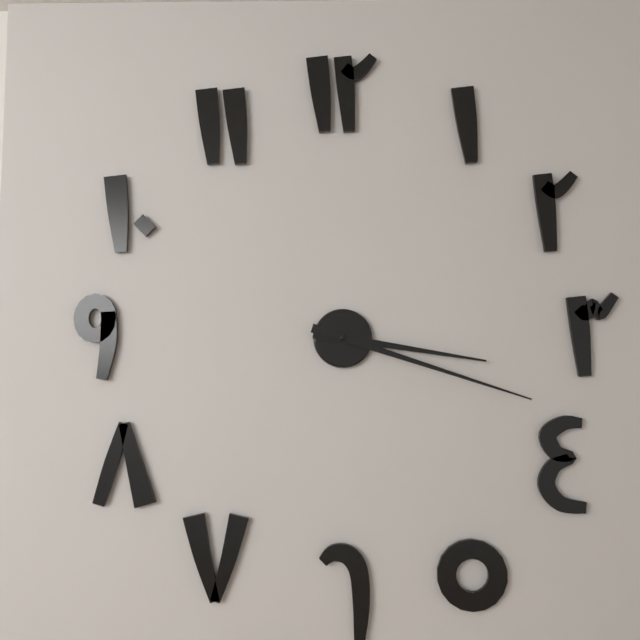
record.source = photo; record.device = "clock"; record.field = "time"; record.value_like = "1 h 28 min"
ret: 3 h 18 min
